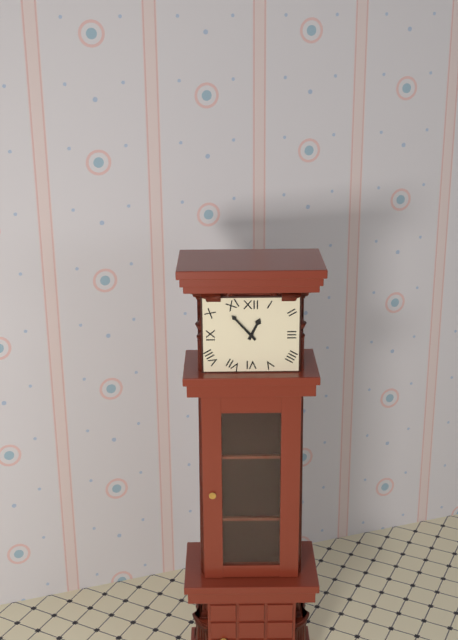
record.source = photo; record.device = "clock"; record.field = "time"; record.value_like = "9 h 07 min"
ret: 12 h 53 min
